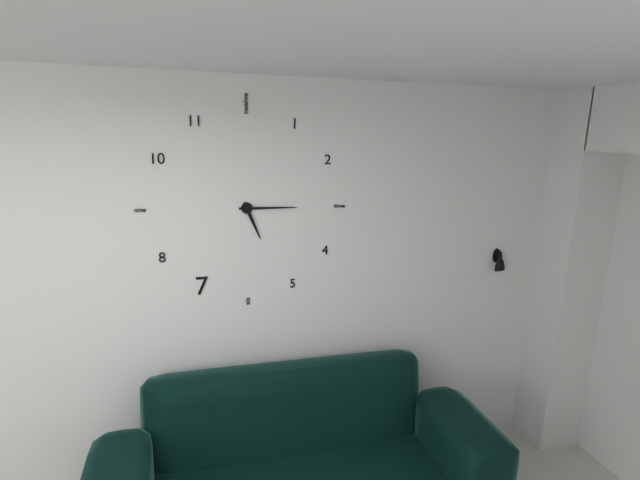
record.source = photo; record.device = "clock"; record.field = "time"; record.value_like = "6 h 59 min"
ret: 5 h 15 min
